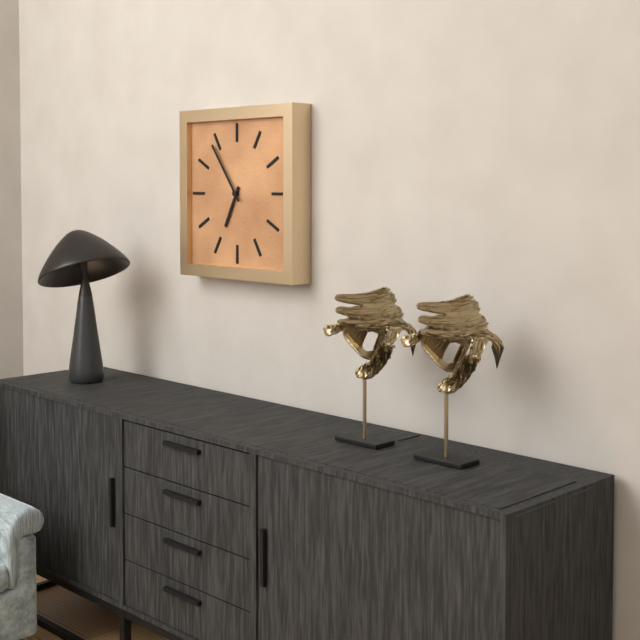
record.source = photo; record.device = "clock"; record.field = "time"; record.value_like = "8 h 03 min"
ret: 6 h 54 min
